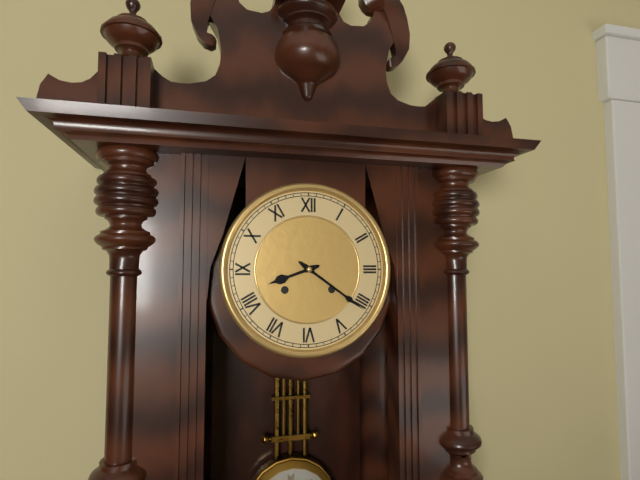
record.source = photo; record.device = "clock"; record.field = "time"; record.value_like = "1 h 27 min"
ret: 8 h 21 min
